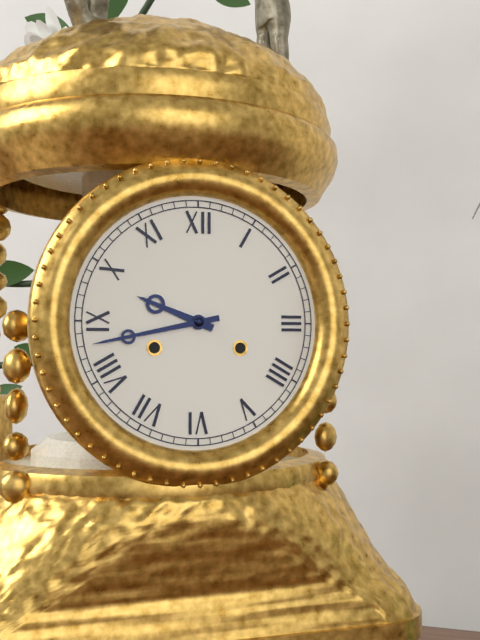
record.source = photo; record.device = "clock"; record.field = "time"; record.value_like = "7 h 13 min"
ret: 9 h 43 min
